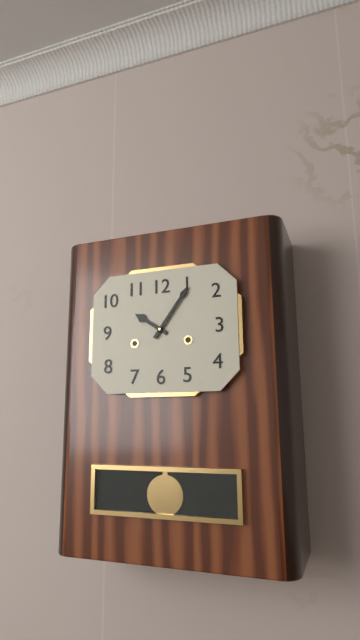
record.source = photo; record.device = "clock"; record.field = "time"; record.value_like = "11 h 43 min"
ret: 10 h 06 min
